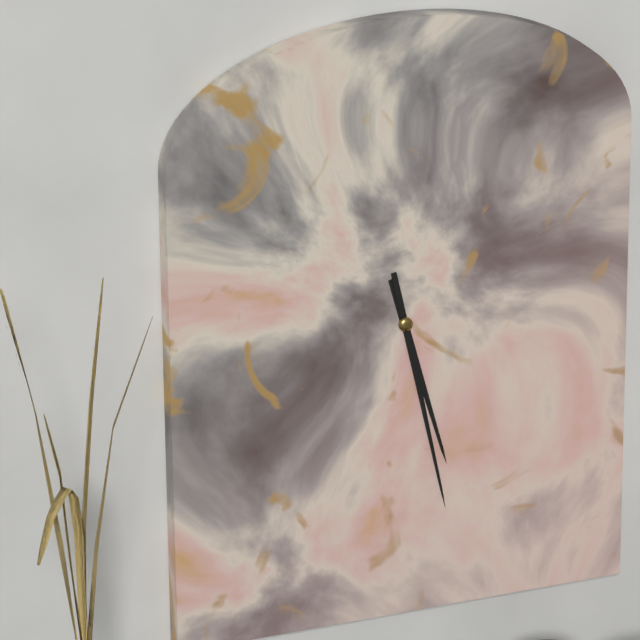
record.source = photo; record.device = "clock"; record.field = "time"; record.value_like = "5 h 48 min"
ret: 5 h 28 min
